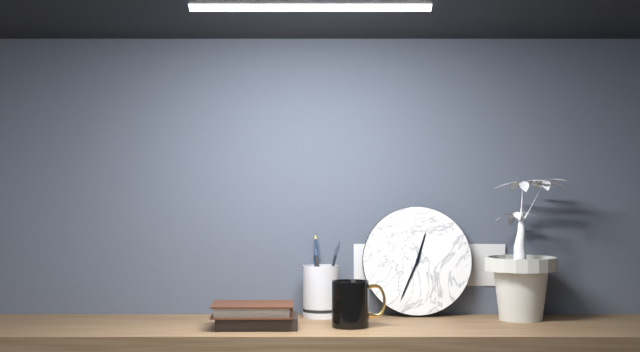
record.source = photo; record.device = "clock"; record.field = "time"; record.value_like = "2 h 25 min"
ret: 12 h 34 min
